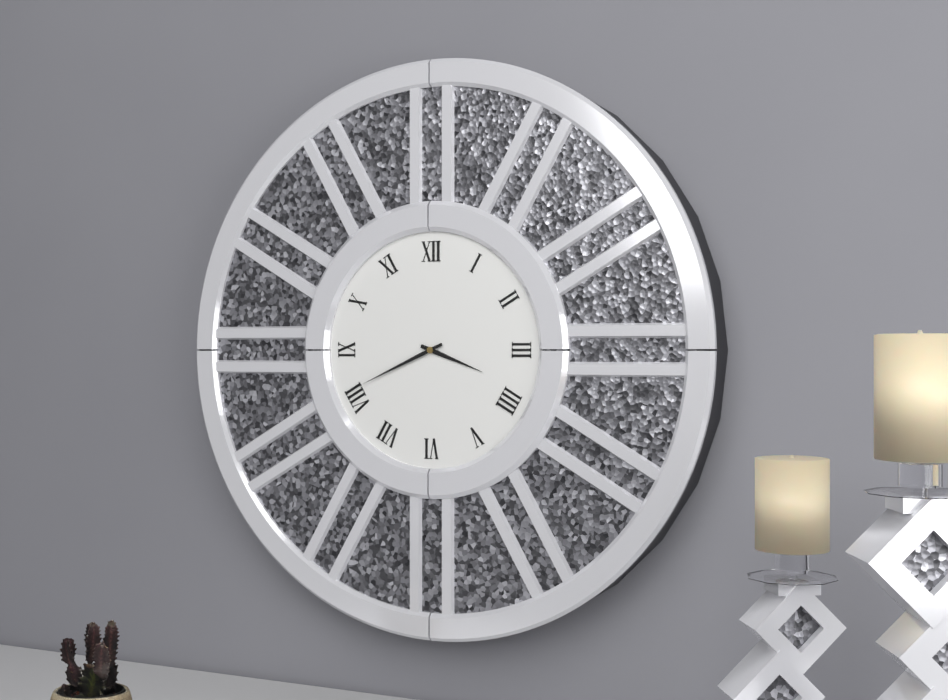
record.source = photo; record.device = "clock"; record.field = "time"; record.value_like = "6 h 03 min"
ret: 3 h 41 min
